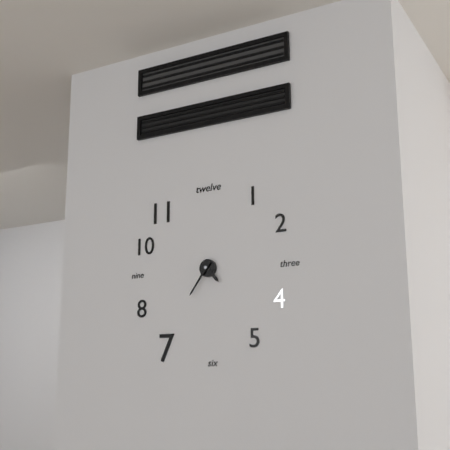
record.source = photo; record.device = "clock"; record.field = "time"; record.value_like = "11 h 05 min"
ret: 4 h 36 min
